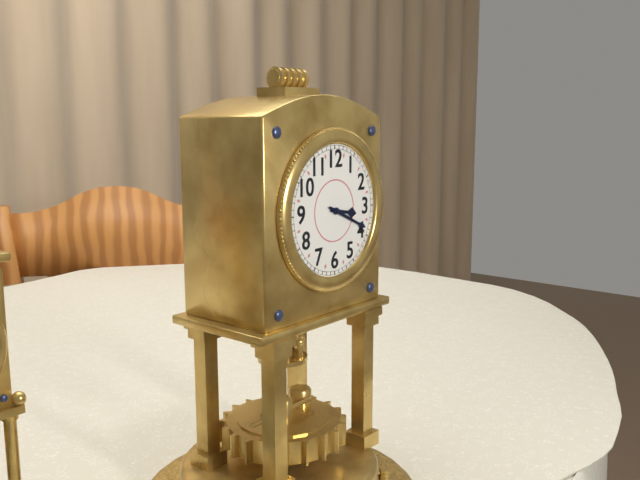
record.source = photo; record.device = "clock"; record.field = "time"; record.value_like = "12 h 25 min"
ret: 3 h 19 min
